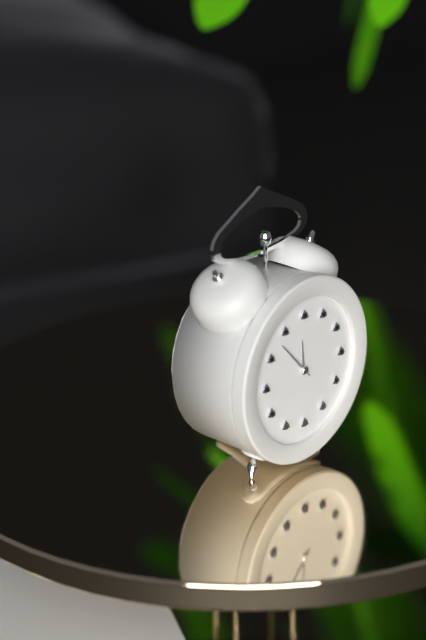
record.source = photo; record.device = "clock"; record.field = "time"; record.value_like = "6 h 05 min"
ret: 11 h 53 min
